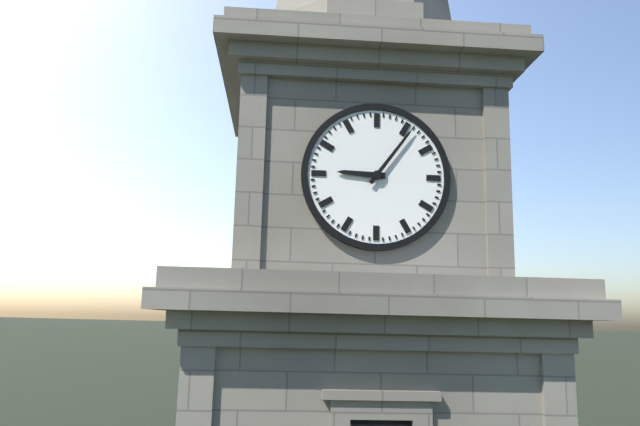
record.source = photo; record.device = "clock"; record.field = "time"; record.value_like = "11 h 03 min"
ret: 9 h 06 min
